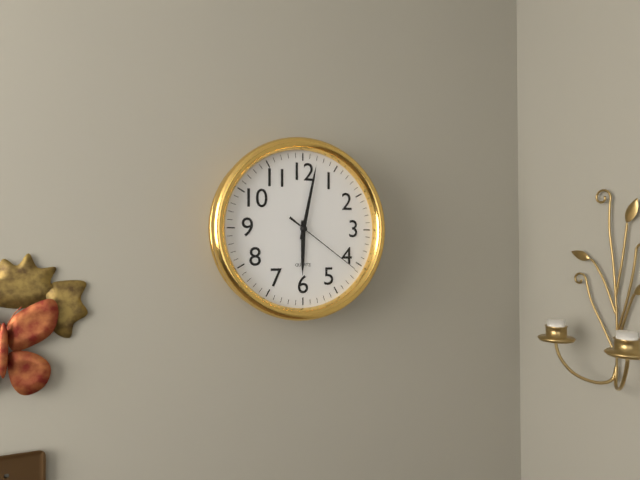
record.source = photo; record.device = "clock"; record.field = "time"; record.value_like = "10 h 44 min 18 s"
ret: 6 h 02 min 21 s
